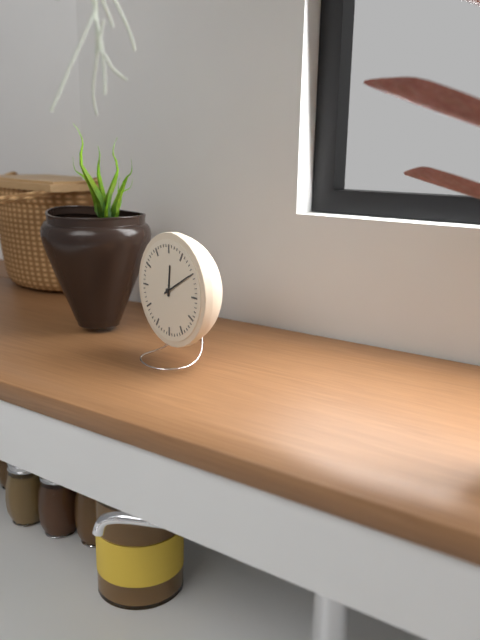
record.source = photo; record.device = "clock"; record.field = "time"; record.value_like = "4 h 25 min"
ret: 12 h 10 min
